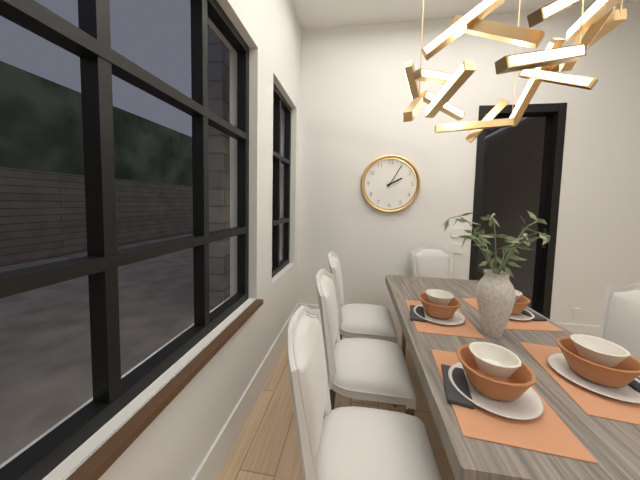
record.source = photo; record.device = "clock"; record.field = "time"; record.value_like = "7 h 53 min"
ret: 2 h 05 min
